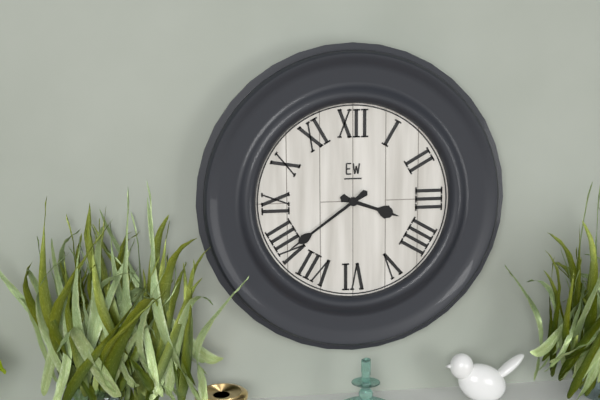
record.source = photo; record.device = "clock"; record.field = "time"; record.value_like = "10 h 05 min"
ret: 3 h 39 min
